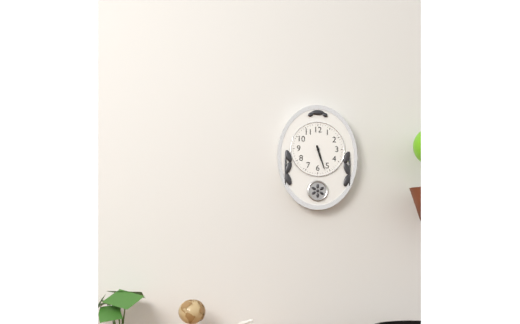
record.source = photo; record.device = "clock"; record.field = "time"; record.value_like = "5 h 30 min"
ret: 5 h 27 min
